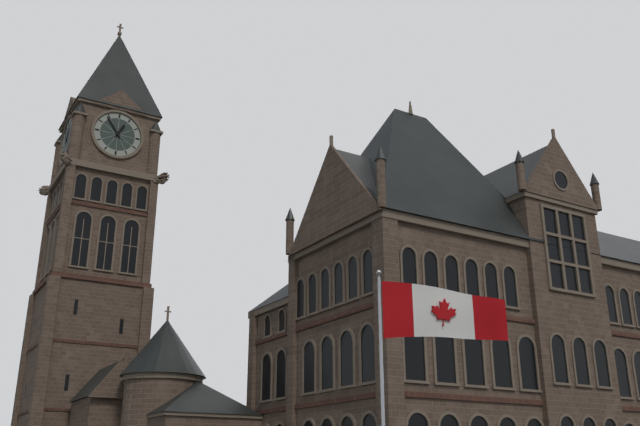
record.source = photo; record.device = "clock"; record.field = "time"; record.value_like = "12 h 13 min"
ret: 12 h 54 min
